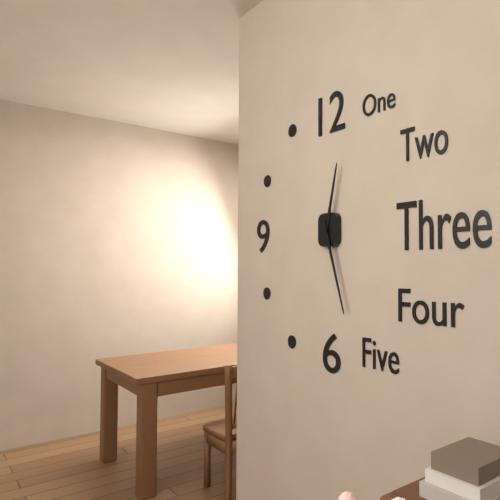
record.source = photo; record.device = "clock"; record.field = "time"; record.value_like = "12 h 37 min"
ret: 12 h 27 min
